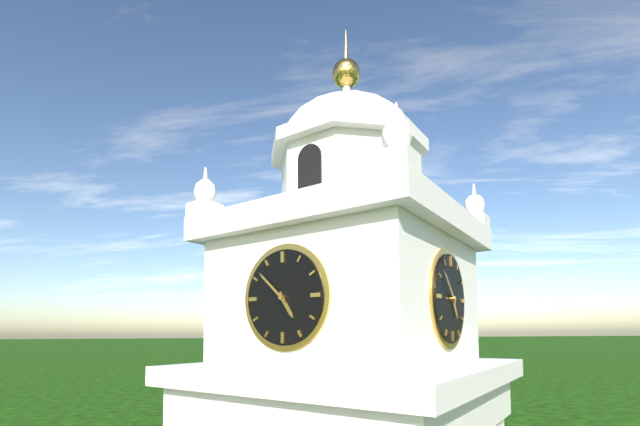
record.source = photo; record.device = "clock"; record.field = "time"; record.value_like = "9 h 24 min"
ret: 4 h 52 min
